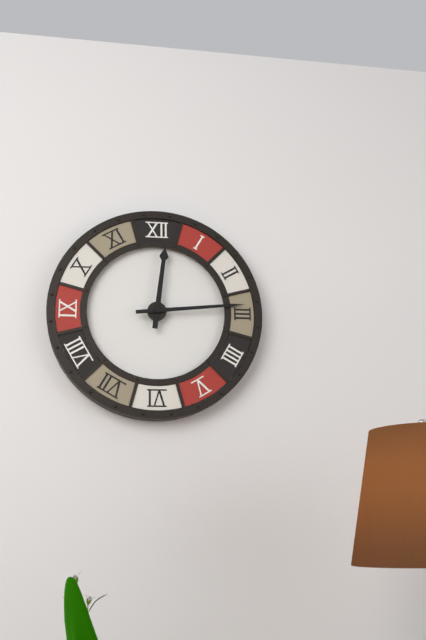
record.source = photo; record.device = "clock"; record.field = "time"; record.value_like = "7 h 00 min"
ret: 12 h 14 min
